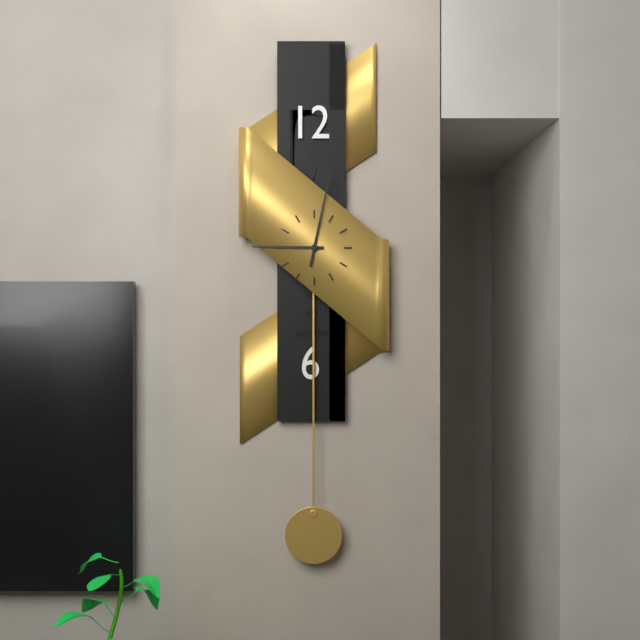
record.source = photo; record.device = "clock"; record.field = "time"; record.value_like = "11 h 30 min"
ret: 9 h 02 min
